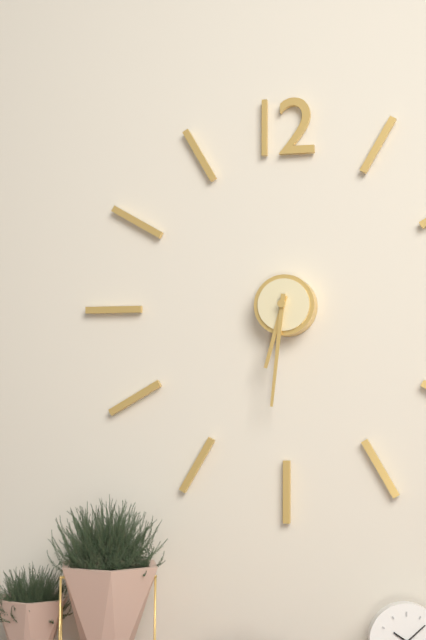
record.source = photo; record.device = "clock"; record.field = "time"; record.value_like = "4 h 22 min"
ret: 6 h 31 min
